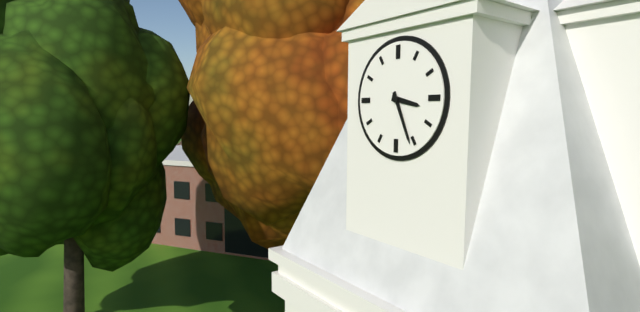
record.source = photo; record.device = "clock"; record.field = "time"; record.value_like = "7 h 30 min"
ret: 3 h 26 min
